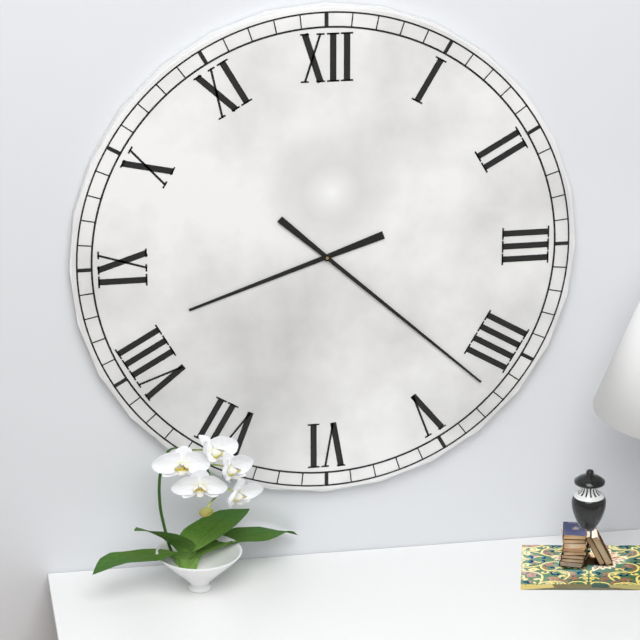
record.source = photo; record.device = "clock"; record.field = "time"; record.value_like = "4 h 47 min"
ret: 8 h 22 min
